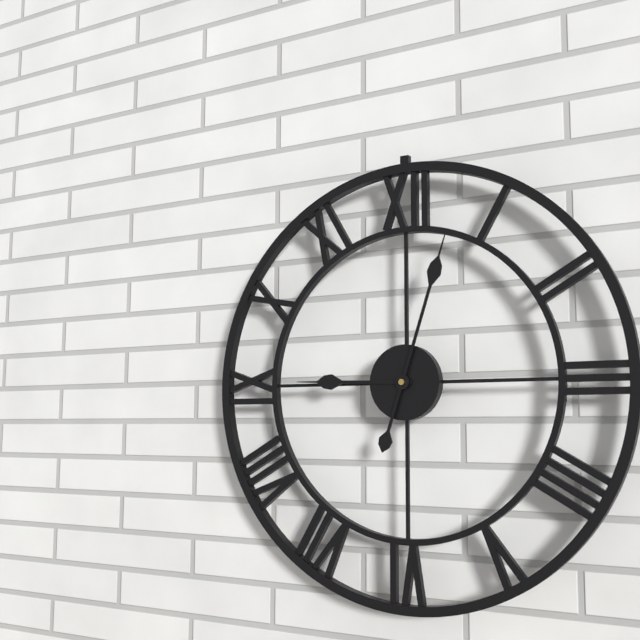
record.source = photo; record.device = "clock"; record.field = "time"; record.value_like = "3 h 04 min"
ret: 9 h 03 min
